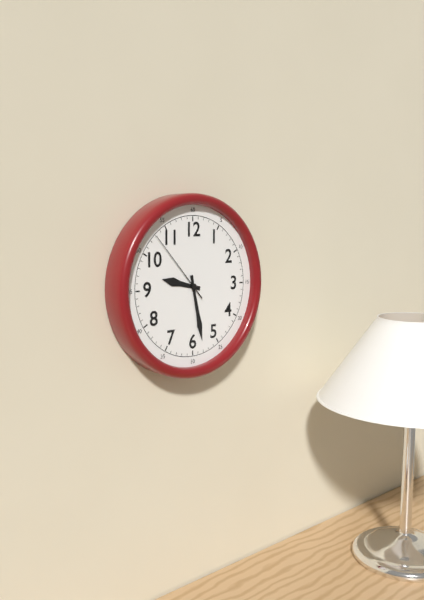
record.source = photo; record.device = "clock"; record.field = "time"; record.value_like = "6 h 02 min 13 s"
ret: 9 h 28 min 53 s
